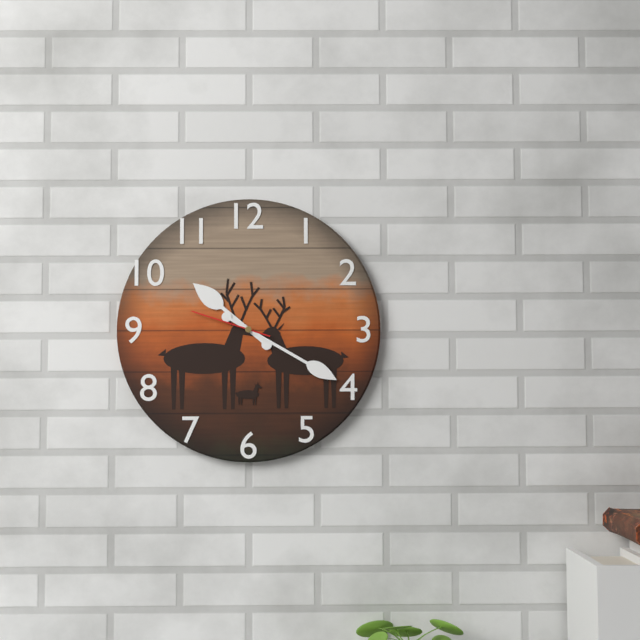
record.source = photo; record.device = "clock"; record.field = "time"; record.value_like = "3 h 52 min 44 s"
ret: 10 h 20 min 48 s
